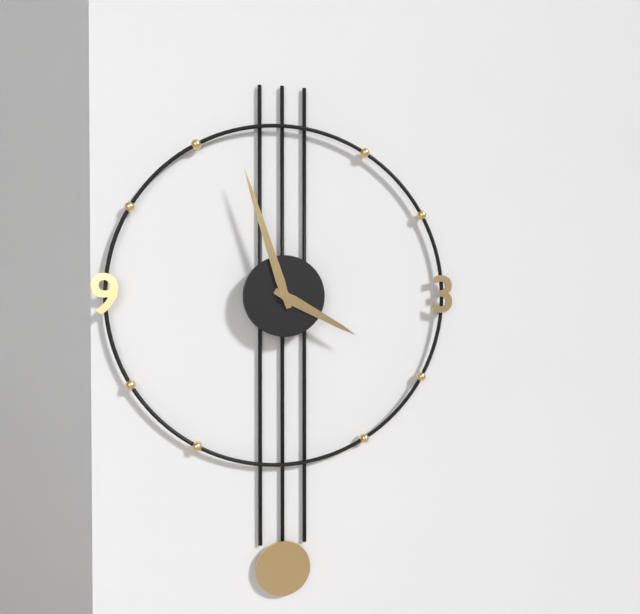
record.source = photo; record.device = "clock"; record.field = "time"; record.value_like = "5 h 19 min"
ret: 3 h 57 min
